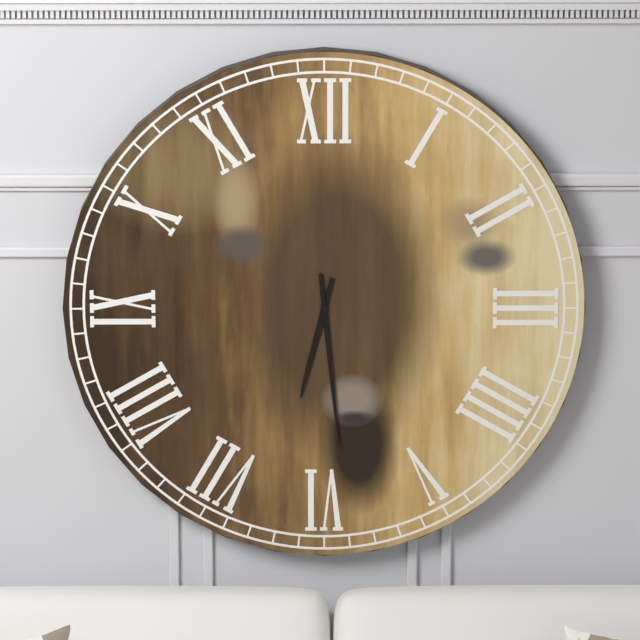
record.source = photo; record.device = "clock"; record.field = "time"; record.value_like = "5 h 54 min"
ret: 6 h 29 min
